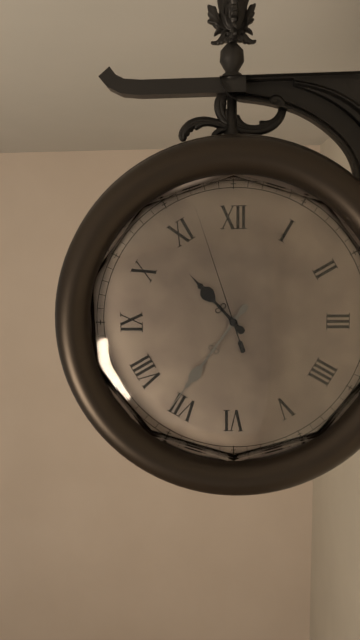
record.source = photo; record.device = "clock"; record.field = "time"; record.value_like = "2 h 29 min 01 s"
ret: 10 h 36 min 57 s
